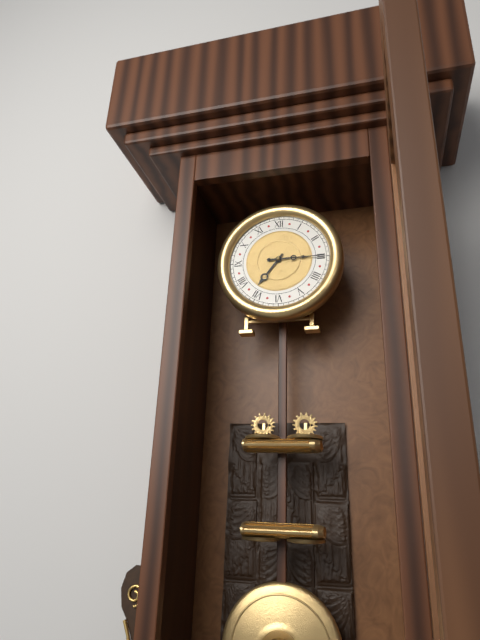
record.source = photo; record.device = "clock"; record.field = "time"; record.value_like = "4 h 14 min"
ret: 7 h 15 min
